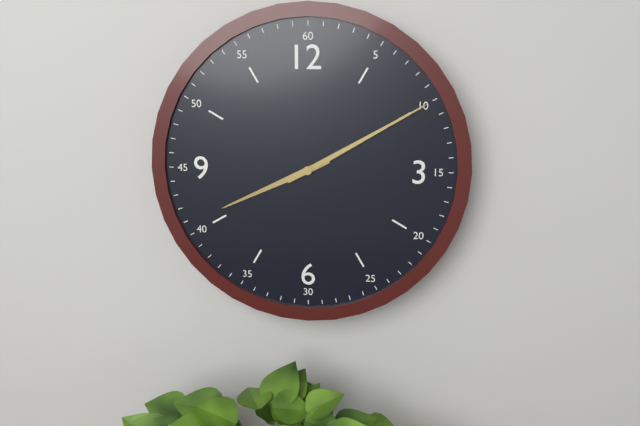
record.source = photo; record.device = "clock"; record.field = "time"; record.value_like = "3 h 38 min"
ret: 8 h 10 min
